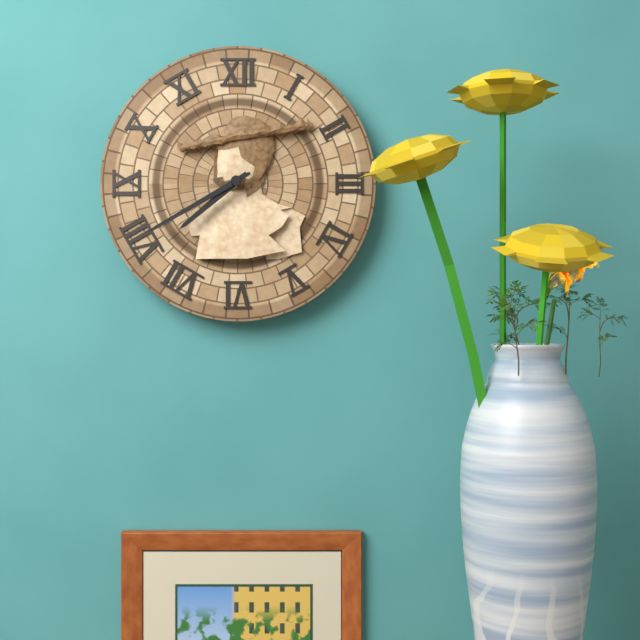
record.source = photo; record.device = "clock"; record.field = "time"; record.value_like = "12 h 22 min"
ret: 7 h 40 min
